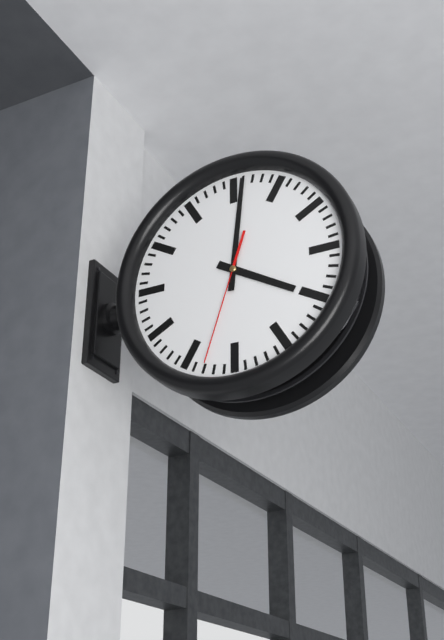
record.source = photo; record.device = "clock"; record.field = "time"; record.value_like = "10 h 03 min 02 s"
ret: 4 h 01 min 33 s
